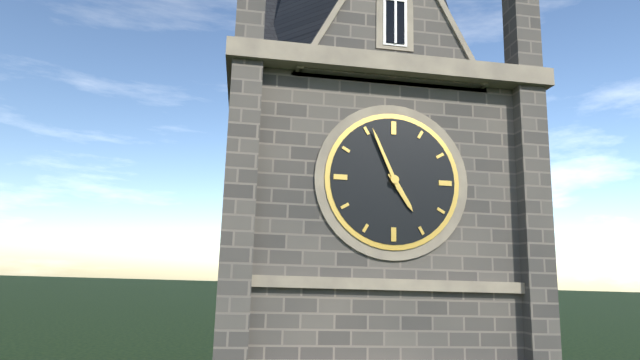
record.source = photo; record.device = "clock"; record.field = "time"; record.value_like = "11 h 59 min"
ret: 4 h 56 min
